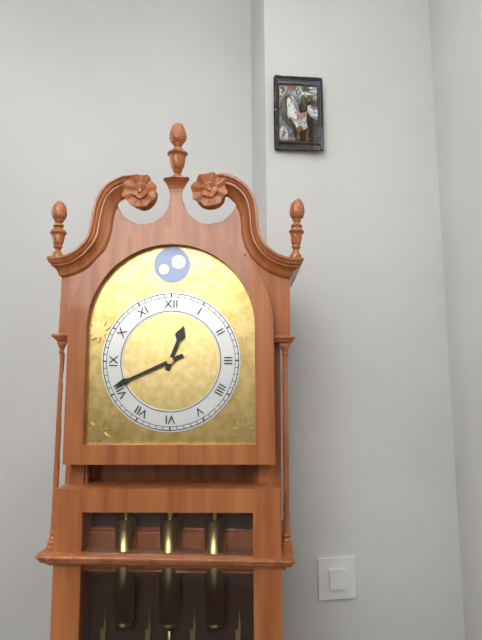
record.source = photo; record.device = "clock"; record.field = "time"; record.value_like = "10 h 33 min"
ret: 12 h 41 min
